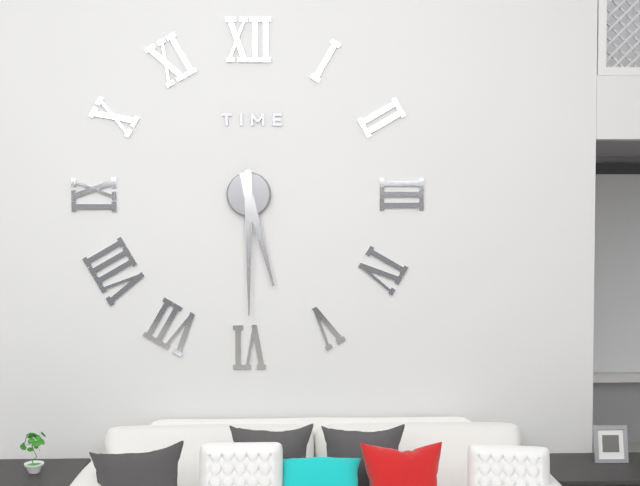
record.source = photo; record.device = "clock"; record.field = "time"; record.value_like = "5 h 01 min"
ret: 5 h 30 min
